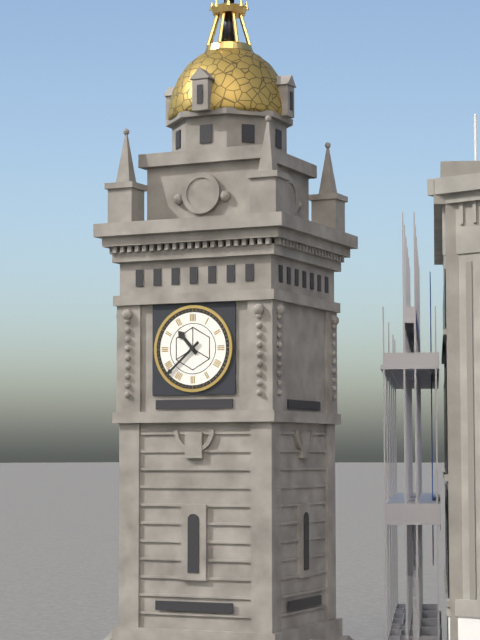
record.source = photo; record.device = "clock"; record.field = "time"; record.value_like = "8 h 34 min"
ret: 10 h 38 min
